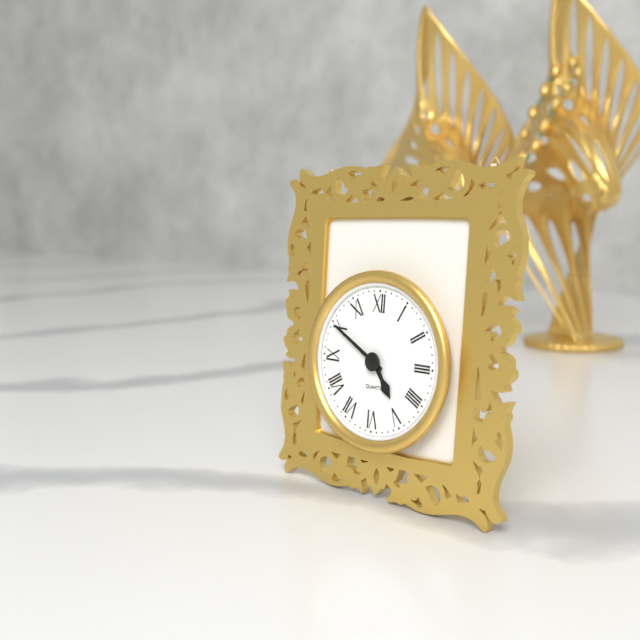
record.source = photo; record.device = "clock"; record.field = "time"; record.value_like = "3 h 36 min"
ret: 4 h 50 min
